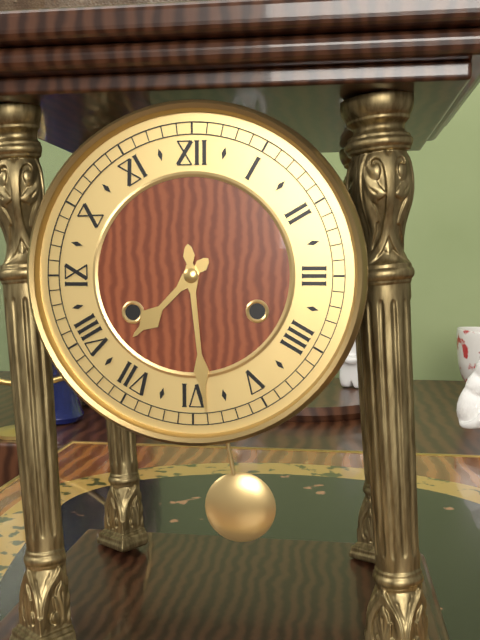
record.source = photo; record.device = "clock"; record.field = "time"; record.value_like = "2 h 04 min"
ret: 7 h 29 min
